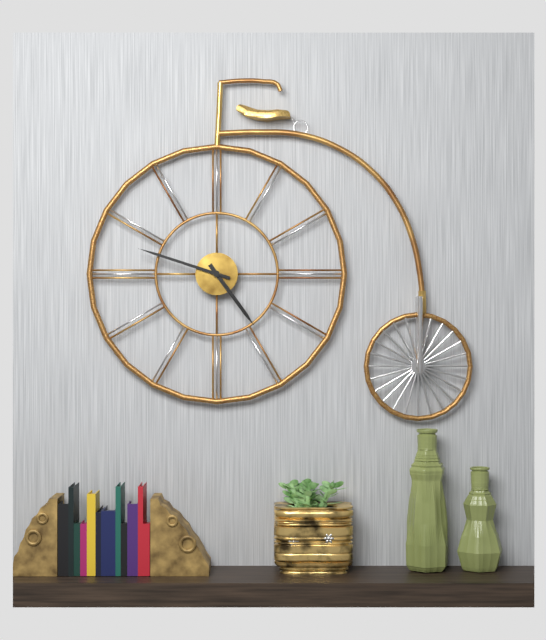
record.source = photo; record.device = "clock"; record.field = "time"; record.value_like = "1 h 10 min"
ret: 4 h 48 min
